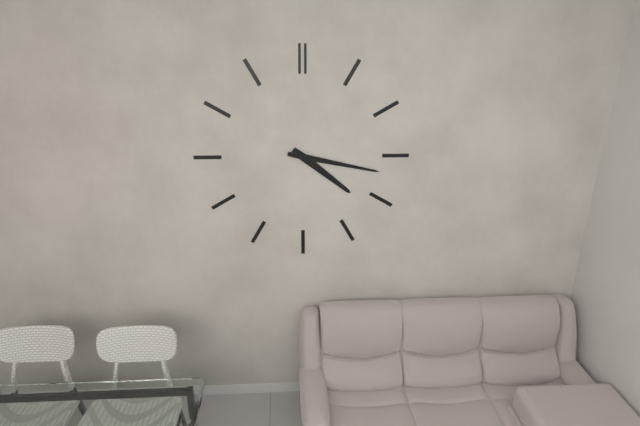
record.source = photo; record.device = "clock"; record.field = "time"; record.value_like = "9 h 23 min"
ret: 4 h 17 min
